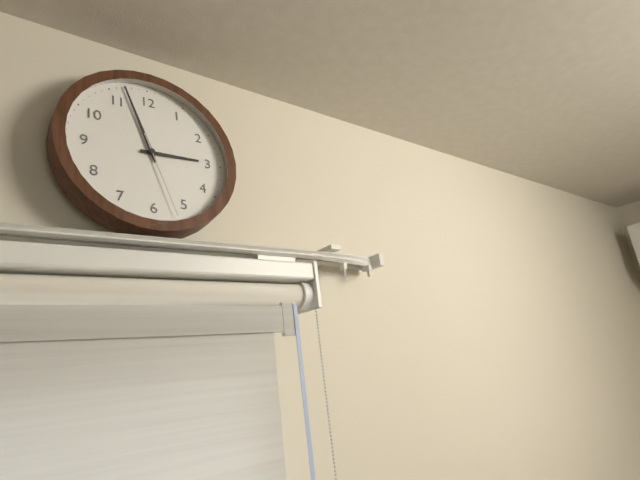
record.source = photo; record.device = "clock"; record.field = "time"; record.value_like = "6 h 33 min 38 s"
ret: 2 h 57 min 27 s
